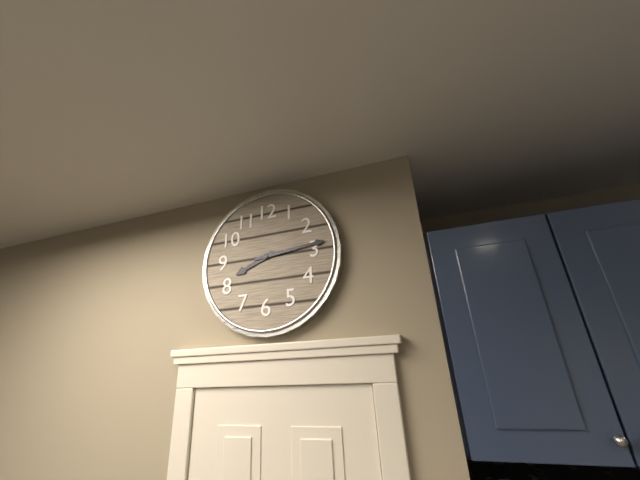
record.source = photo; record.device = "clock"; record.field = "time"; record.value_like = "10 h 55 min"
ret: 8 h 14 min
